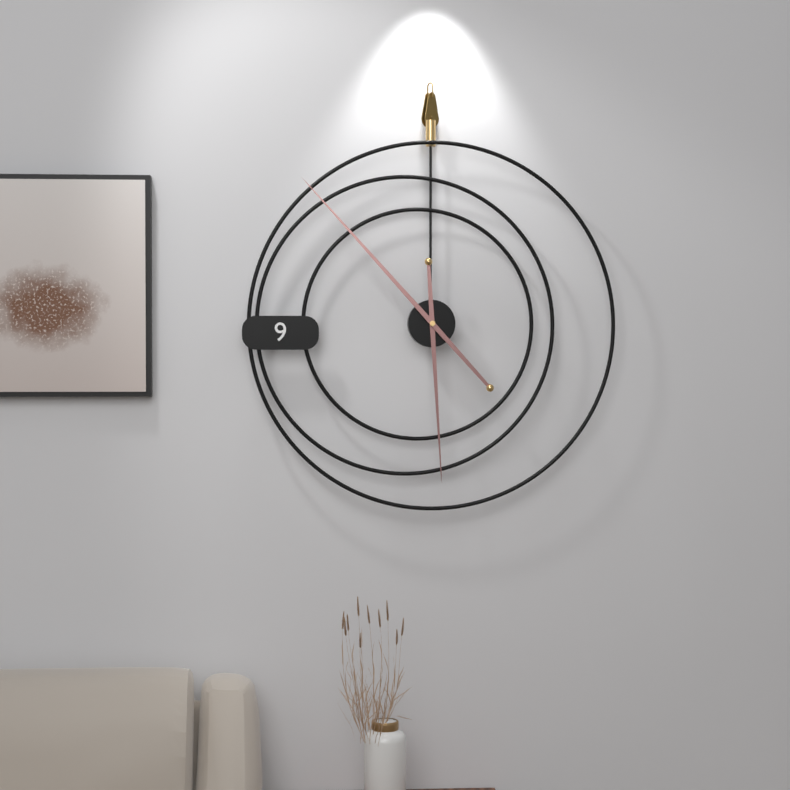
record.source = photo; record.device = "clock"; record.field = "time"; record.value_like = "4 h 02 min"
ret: 5 h 53 min
